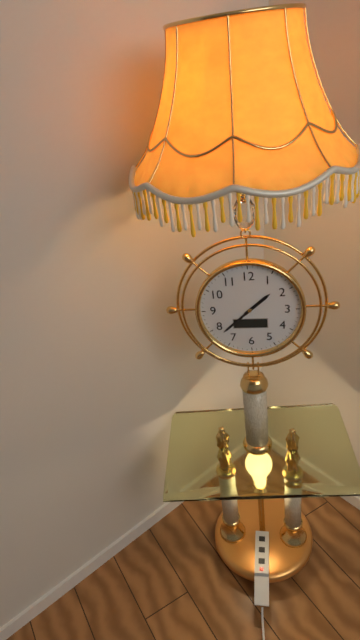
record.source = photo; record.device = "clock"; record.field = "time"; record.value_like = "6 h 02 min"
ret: 1 h 38 min
